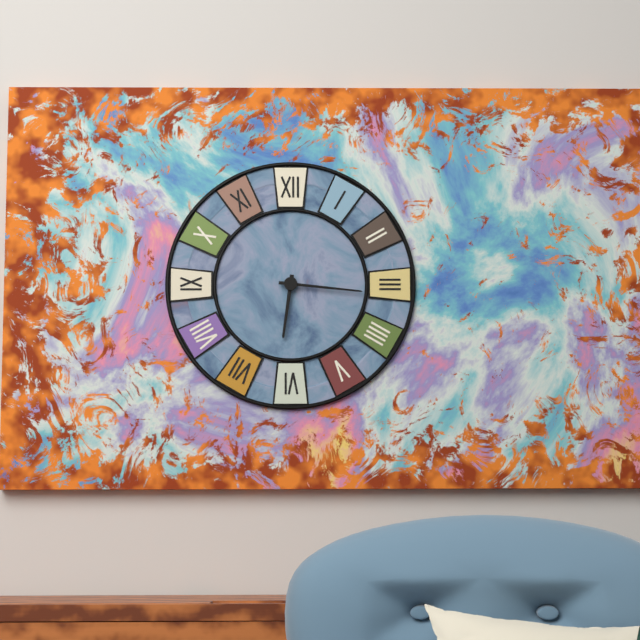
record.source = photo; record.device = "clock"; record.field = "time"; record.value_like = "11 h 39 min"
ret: 6 h 16 min
